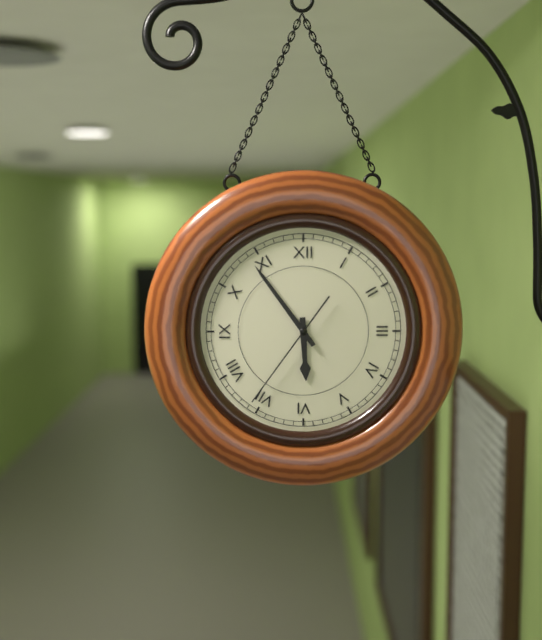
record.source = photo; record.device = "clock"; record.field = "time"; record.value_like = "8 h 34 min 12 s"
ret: 5 h 54 min 36 s
